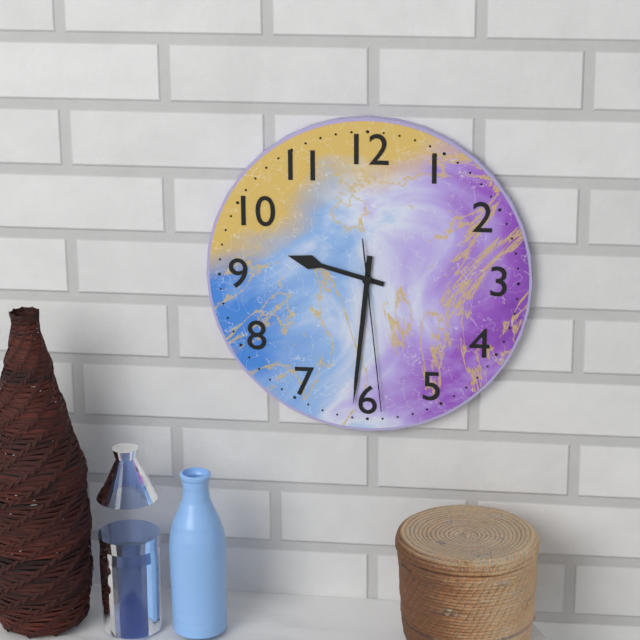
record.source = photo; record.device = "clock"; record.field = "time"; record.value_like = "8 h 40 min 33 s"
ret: 9 h 31 min 29 s
